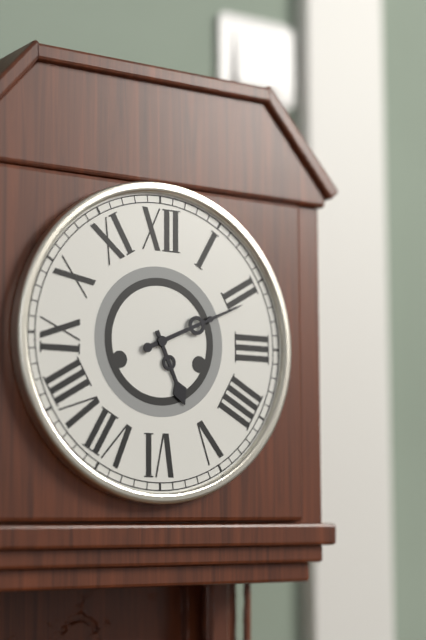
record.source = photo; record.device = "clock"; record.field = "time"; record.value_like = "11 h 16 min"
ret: 5 h 11 min
